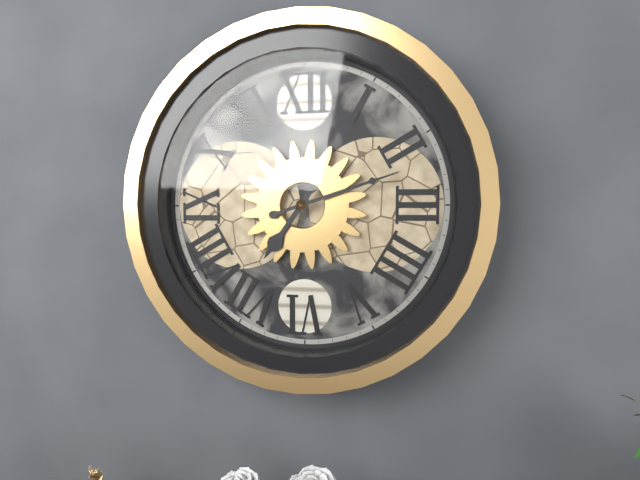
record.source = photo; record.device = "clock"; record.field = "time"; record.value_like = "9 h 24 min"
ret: 7 h 12 min
